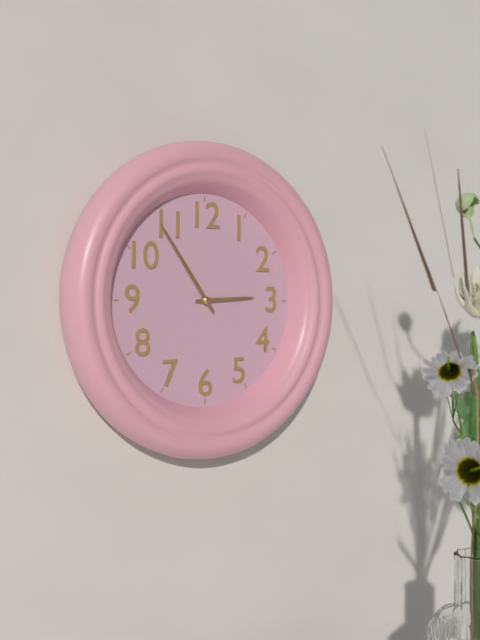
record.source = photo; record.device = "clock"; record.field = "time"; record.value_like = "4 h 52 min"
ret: 2 h 54 min
